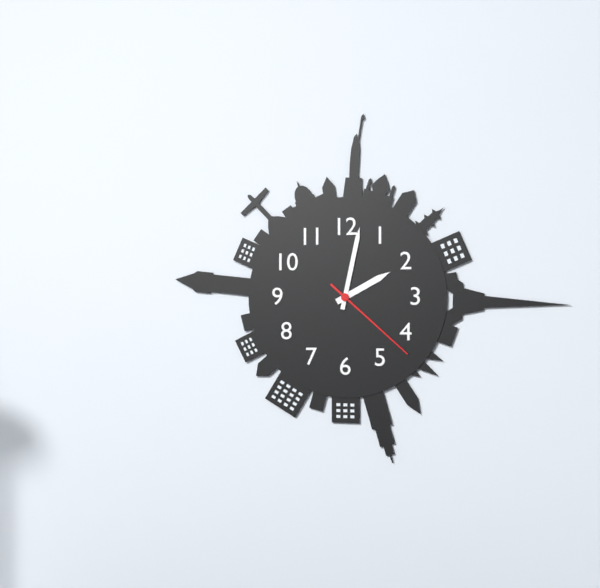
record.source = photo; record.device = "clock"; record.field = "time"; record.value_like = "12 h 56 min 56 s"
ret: 2 h 02 min 22 s
